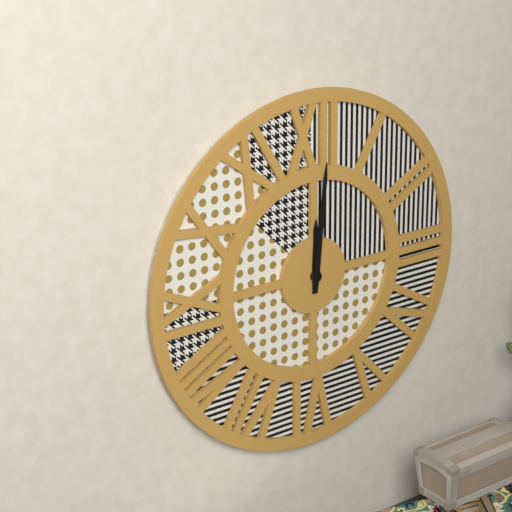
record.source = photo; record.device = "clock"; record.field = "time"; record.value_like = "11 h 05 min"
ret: 12 h 01 min
